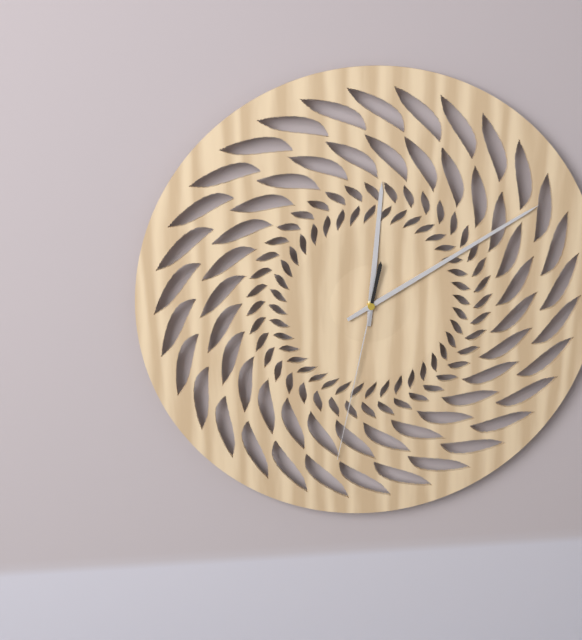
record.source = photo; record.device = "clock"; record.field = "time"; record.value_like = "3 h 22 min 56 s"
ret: 12 h 10 min 32 s
